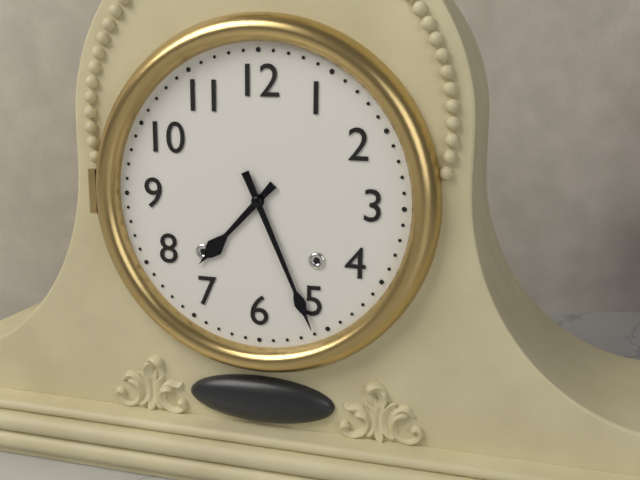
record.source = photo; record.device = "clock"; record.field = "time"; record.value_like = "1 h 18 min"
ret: 7 h 26 min
